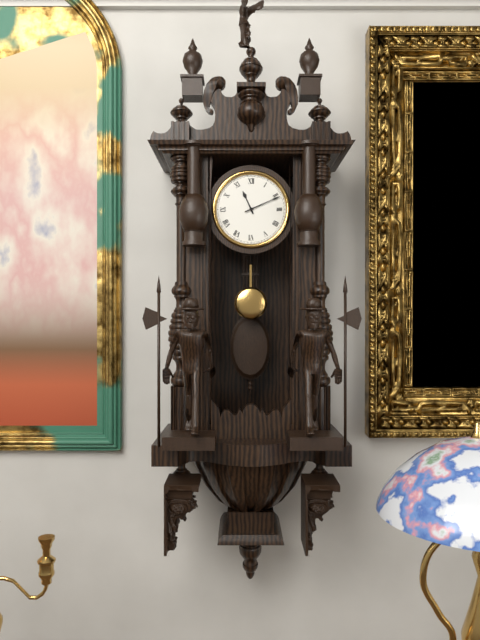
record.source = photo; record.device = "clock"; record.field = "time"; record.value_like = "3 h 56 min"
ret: 11 h 11 min
